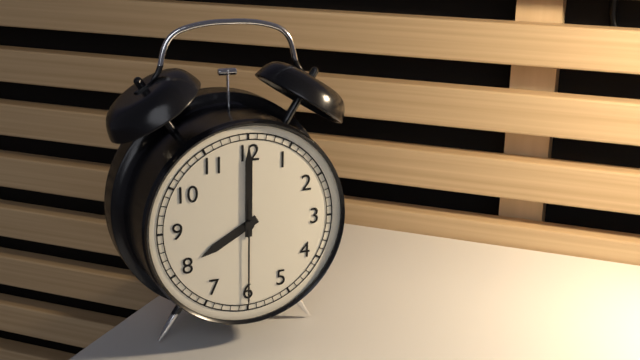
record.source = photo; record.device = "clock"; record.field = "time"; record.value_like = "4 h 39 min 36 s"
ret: 8 h 00 min 30 s
